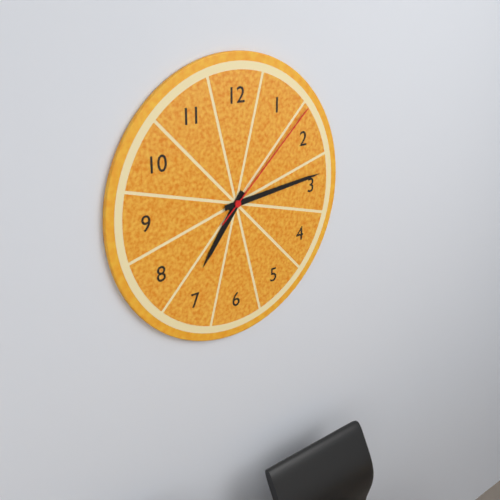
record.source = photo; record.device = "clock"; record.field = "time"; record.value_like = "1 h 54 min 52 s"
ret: 7 h 14 min 08 s
